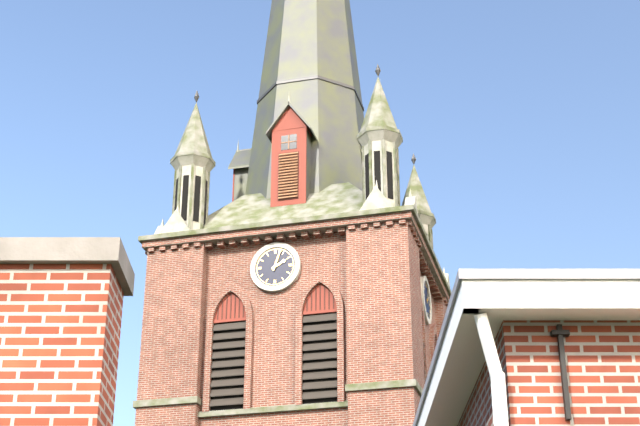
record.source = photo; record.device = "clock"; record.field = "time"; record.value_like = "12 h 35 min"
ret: 2 h 03 min
